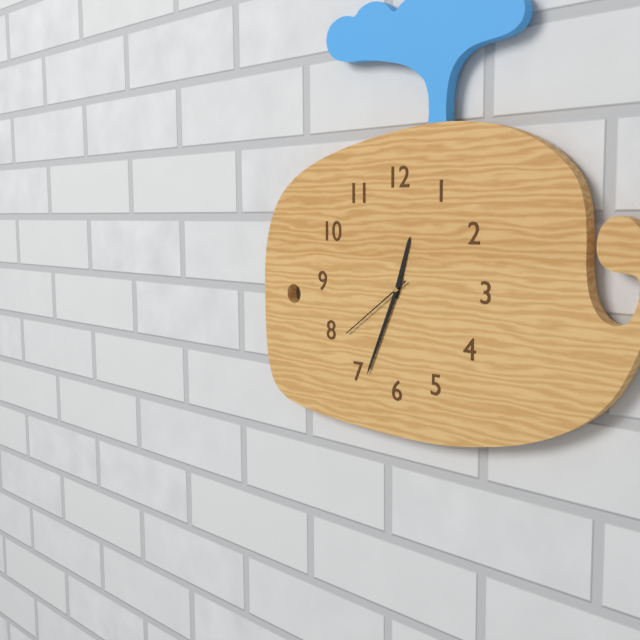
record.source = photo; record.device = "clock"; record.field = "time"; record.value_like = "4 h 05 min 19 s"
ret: 12 h 34 min 39 s
